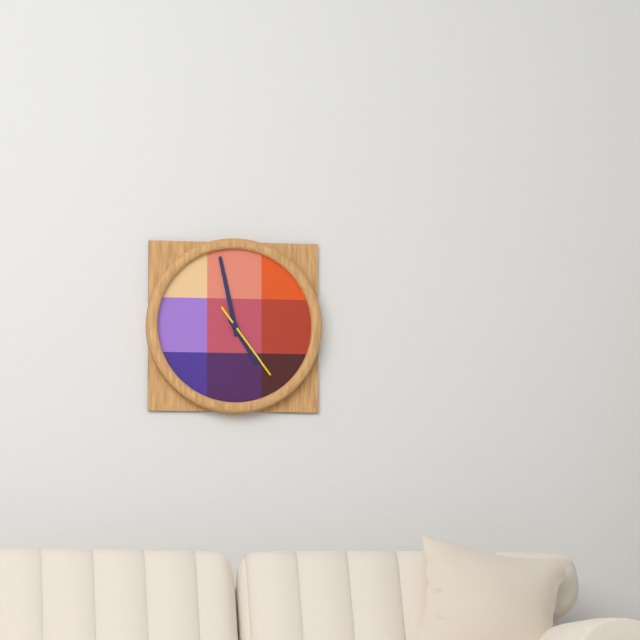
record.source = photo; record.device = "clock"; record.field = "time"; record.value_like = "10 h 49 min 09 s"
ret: 4 h 58 min 24 s
